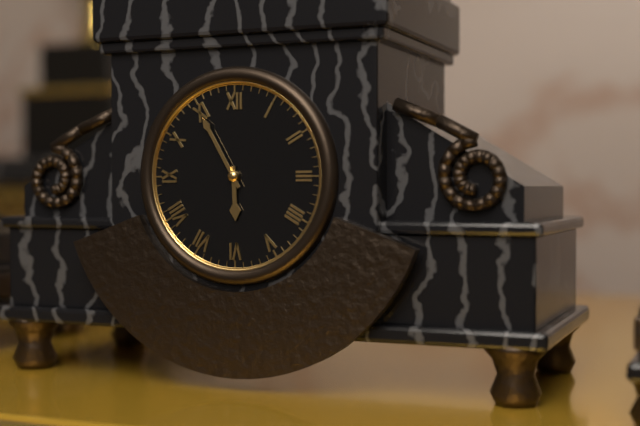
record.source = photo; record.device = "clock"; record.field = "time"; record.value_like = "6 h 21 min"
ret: 5 h 55 min
